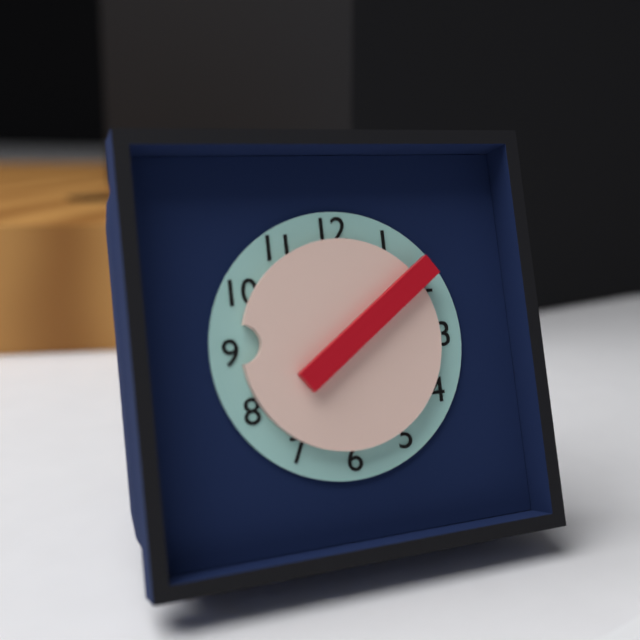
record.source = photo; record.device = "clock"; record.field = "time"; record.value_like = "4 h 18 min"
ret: 9 h 09 min
